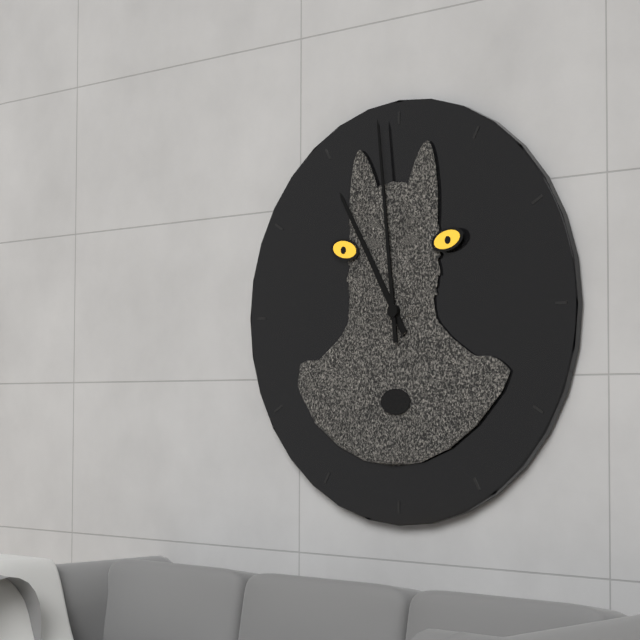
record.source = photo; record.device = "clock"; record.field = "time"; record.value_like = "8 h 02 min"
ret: 10 h 59 min
